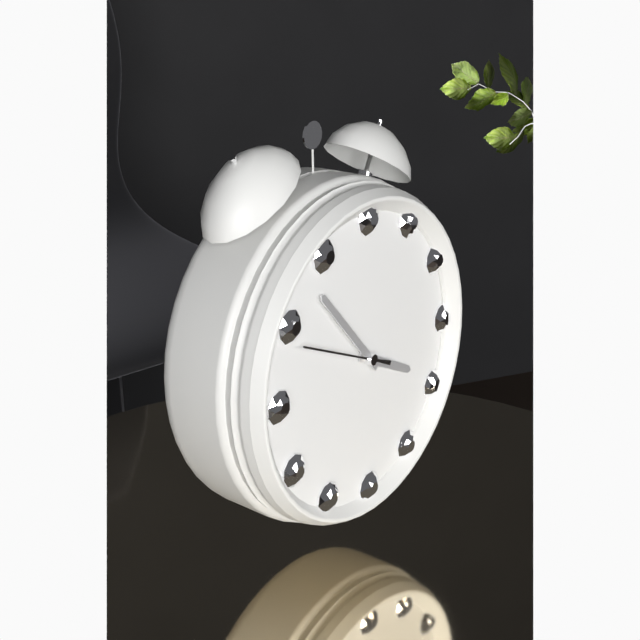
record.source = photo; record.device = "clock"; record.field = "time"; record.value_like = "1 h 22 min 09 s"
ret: 3 h 53 min 49 s
